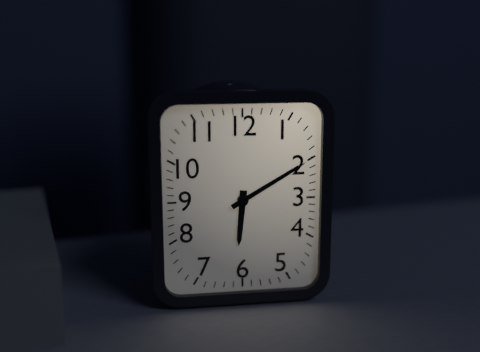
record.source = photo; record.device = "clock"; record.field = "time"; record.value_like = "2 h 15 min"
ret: 6 h 10 min
